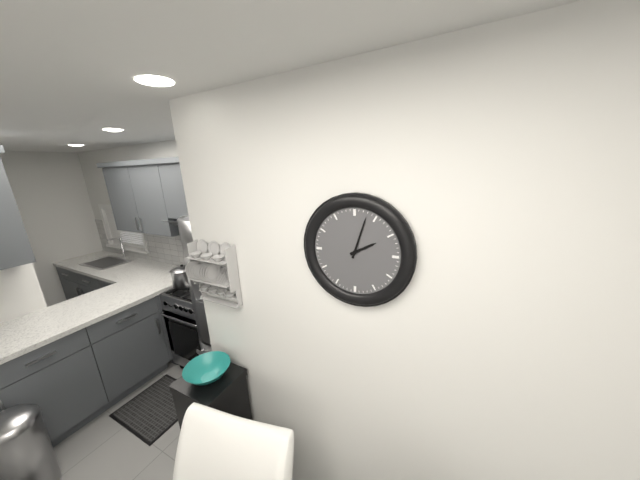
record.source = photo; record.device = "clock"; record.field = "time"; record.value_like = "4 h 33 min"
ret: 2 h 03 min
